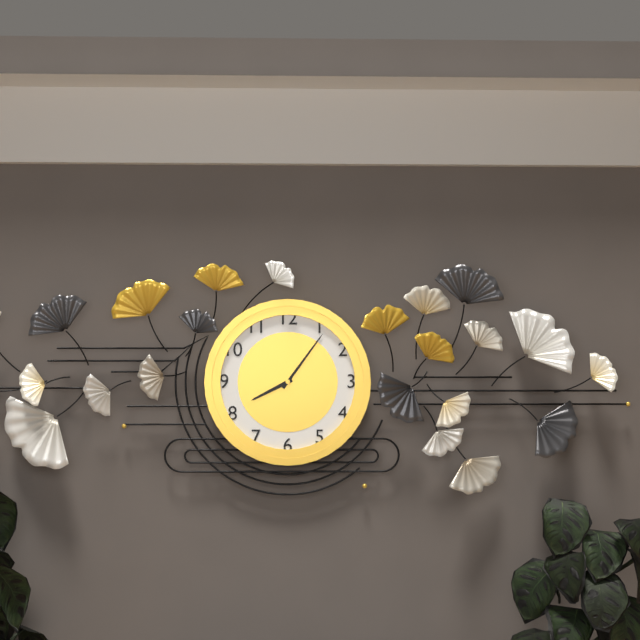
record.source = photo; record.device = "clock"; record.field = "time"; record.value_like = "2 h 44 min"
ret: 8 h 06 min
